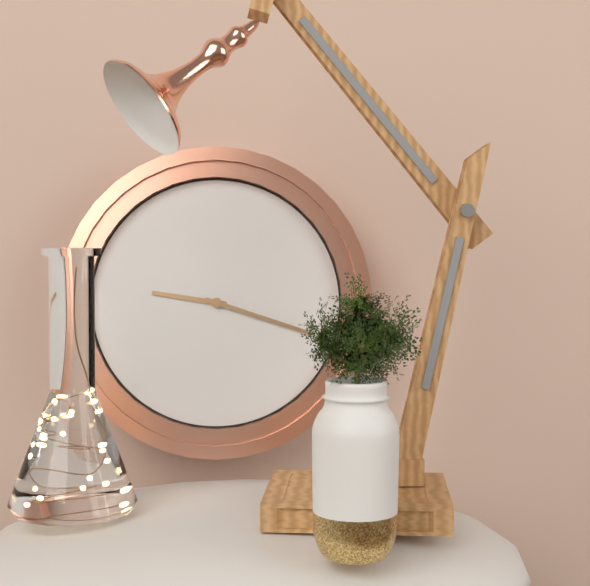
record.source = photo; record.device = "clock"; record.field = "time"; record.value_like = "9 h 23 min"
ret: 9 h 18 min
